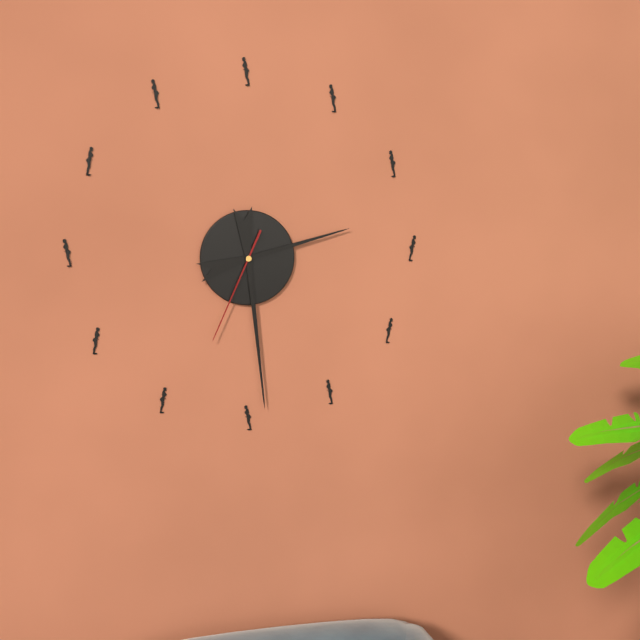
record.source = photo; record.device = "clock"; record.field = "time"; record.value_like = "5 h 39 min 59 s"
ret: 2 h 29 min 34 s
